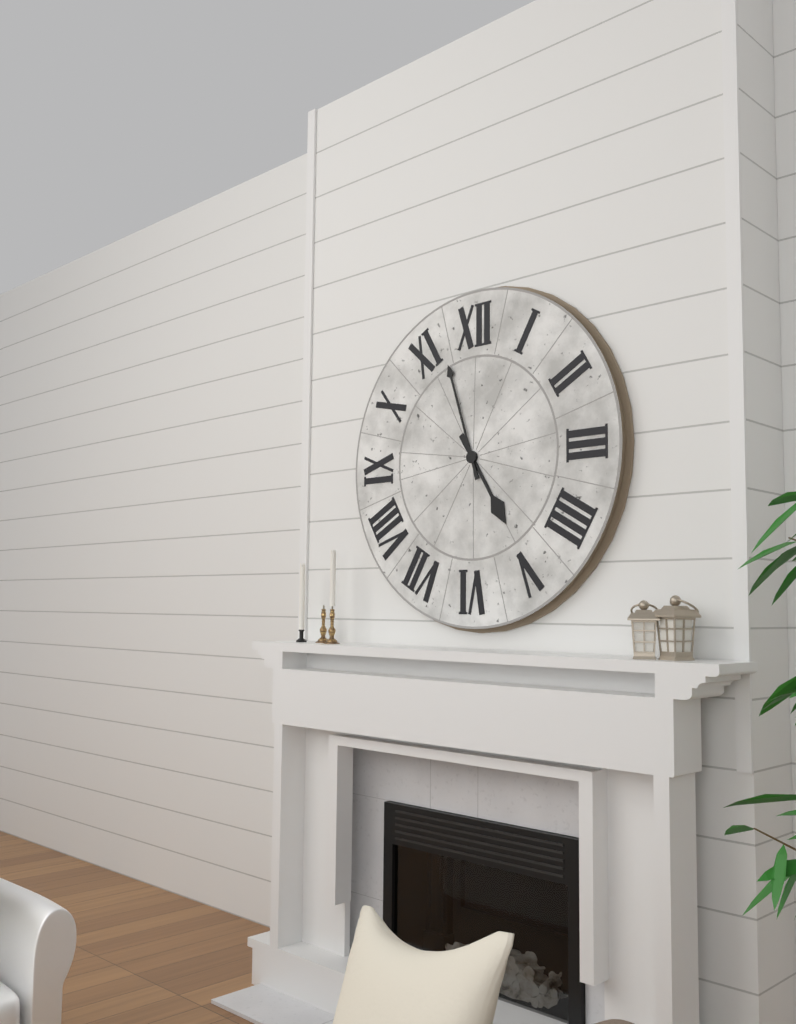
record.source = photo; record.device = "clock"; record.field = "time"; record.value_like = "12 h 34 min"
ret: 4 h 57 min
